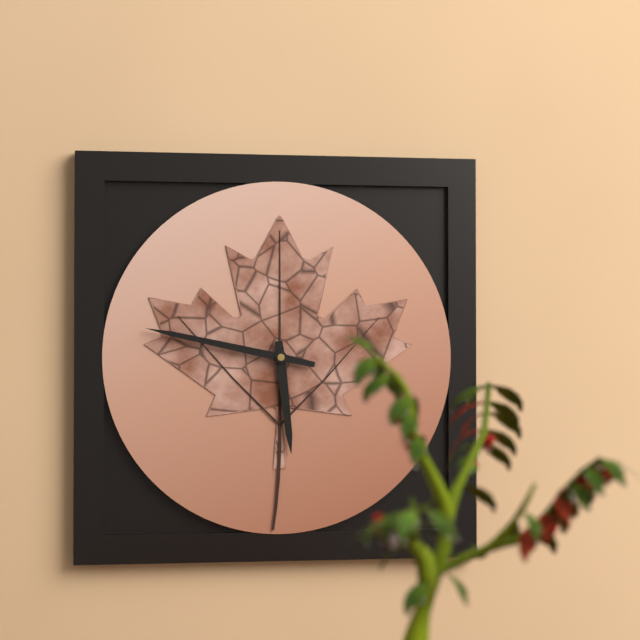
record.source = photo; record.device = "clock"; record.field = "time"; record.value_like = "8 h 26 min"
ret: 5 h 47 min
